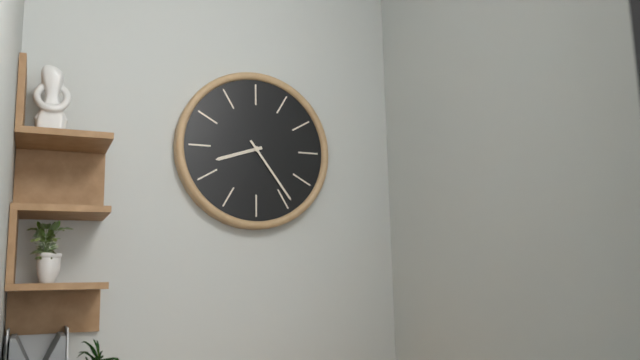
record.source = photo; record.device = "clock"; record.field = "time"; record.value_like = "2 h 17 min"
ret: 8 h 24 min
